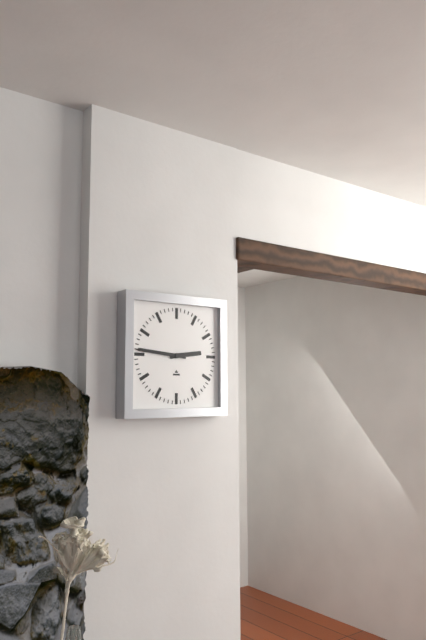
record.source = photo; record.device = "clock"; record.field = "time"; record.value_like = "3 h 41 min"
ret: 2 h 46 min
